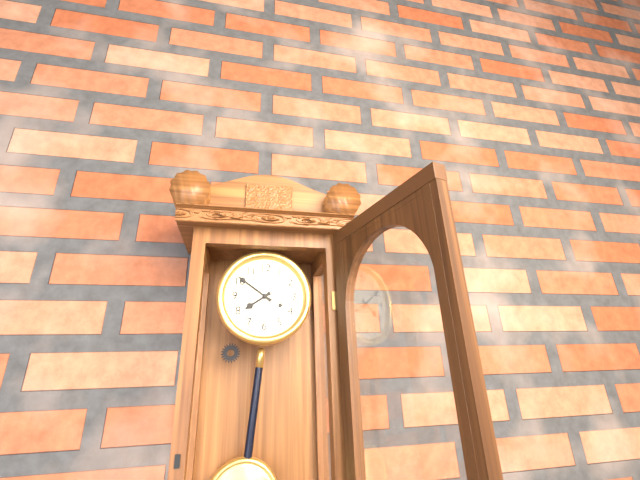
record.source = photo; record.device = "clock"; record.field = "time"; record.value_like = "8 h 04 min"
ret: 7 h 51 min
